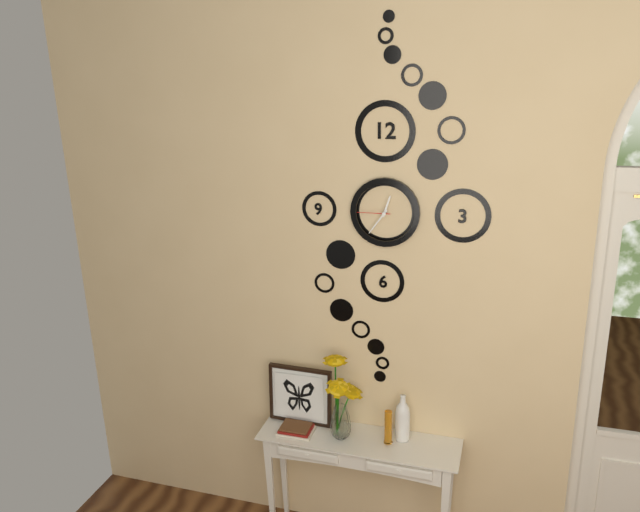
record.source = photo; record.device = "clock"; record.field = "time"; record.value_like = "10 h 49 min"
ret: 12 h 36 min
